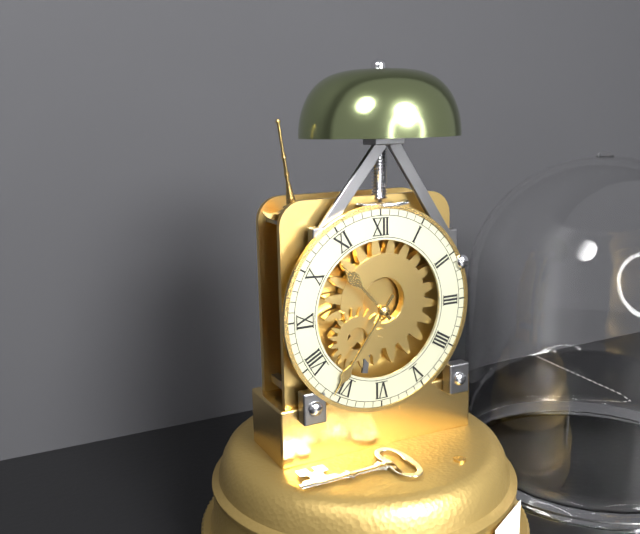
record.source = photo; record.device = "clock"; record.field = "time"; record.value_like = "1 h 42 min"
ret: 10 h 36 min
